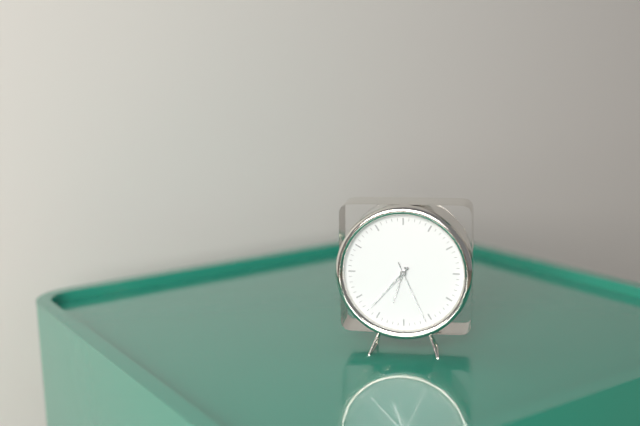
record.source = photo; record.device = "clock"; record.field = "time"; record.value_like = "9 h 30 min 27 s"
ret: 6 h 37 min 26 s
